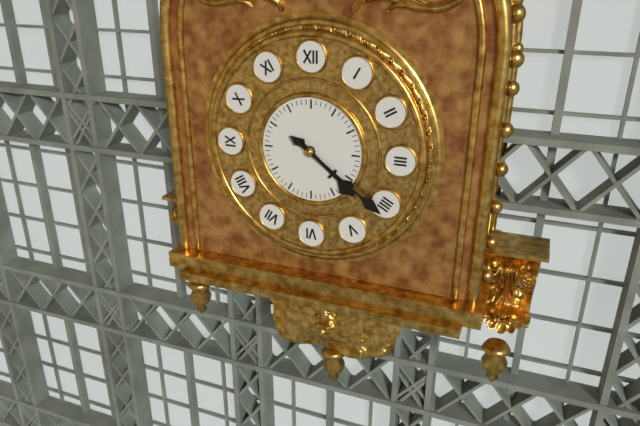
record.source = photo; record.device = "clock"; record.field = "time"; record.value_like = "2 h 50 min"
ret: 4 h 21 min
